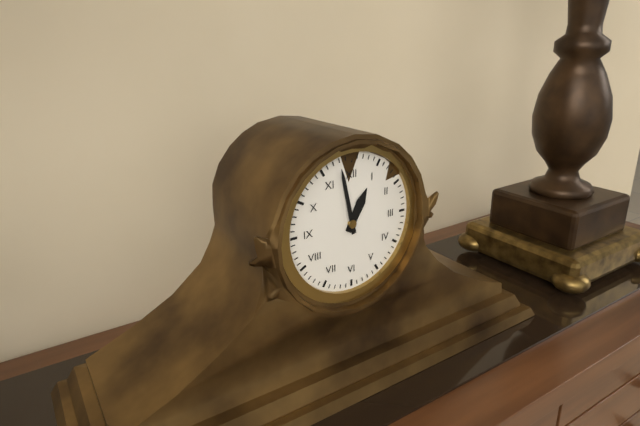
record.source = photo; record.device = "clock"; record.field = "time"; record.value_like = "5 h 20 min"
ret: 12 h 58 min
